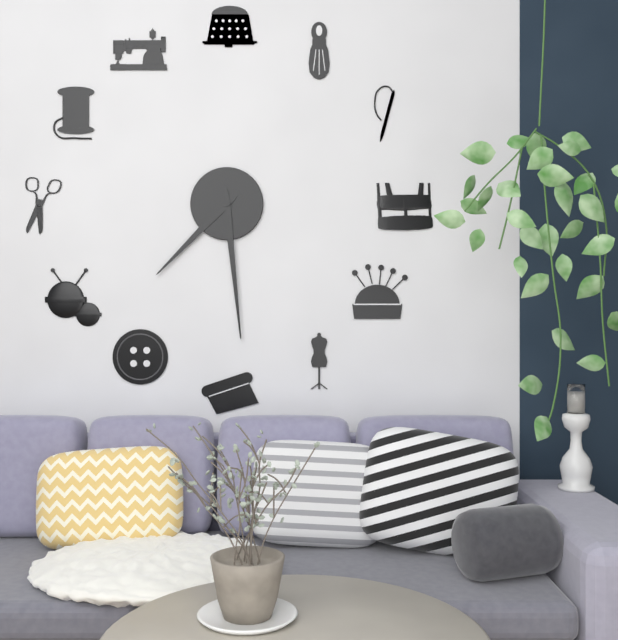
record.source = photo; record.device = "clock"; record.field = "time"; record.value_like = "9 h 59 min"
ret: 7 h 29 min
